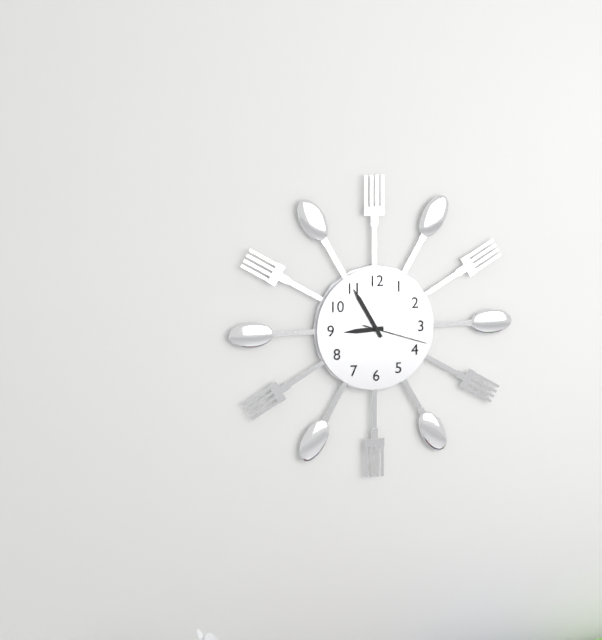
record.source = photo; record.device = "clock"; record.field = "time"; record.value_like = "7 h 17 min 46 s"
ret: 8 h 55 min 18 s
